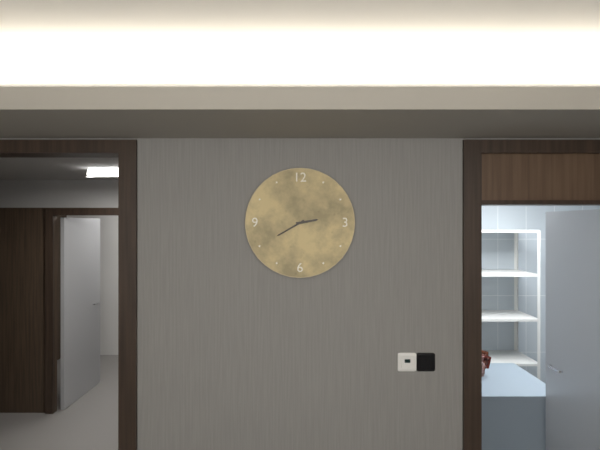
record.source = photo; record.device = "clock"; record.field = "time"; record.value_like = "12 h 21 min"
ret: 2 h 40 min
